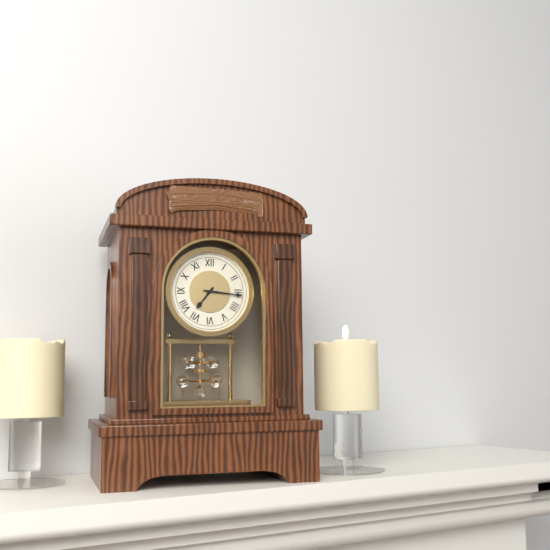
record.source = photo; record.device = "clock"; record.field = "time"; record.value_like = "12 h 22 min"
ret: 7 h 16 min
